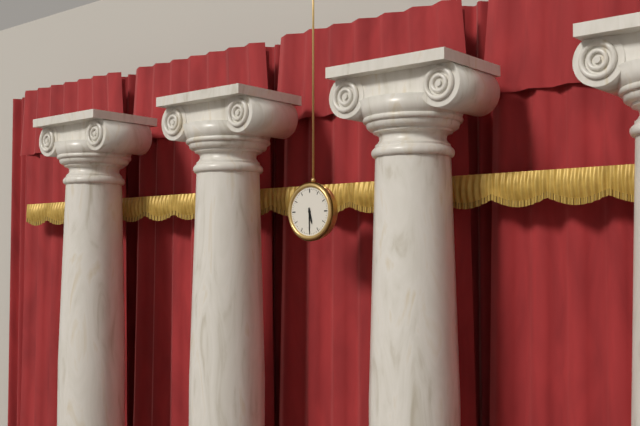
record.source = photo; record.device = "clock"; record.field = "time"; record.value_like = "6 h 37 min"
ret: 5 h 30 min
